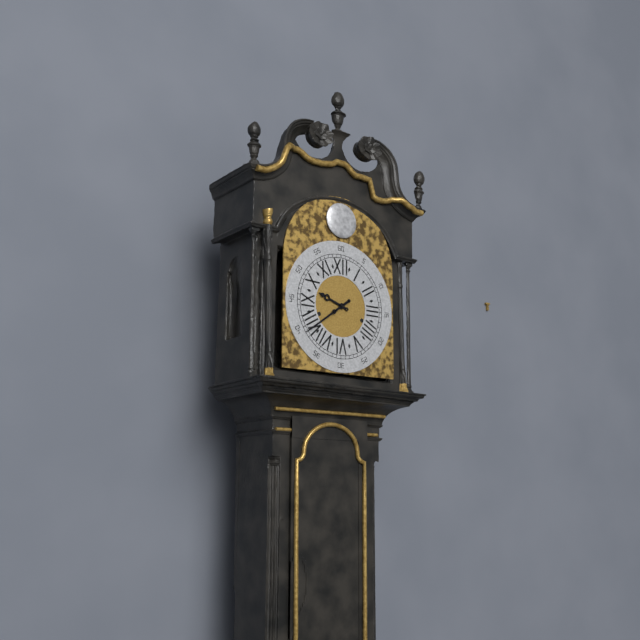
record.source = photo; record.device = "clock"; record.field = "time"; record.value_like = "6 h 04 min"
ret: 9 h 39 min
